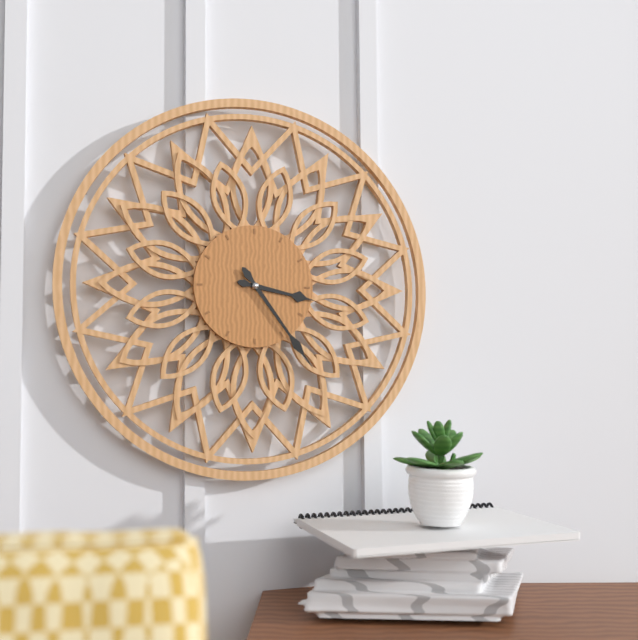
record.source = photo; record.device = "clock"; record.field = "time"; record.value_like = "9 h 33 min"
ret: 3 h 24 min
